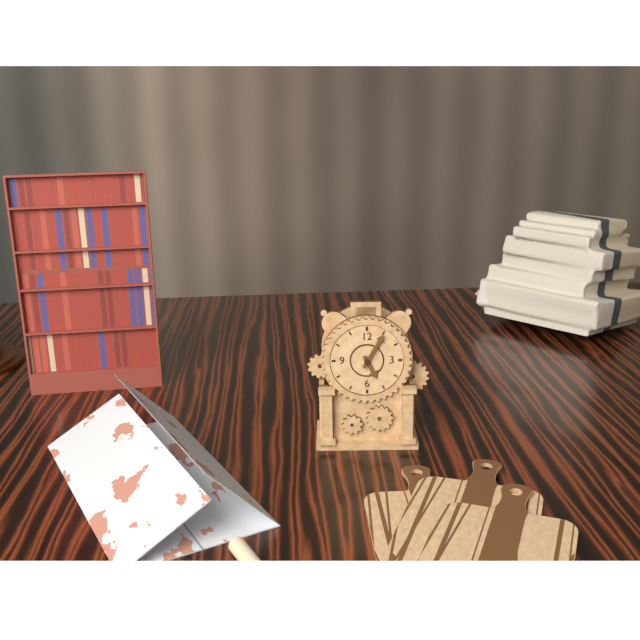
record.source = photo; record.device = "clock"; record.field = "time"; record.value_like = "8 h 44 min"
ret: 5 h 05 min
